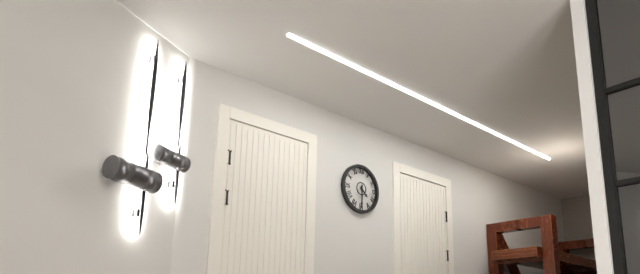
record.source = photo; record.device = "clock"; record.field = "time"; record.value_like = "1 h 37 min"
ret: 4 h 30 min
